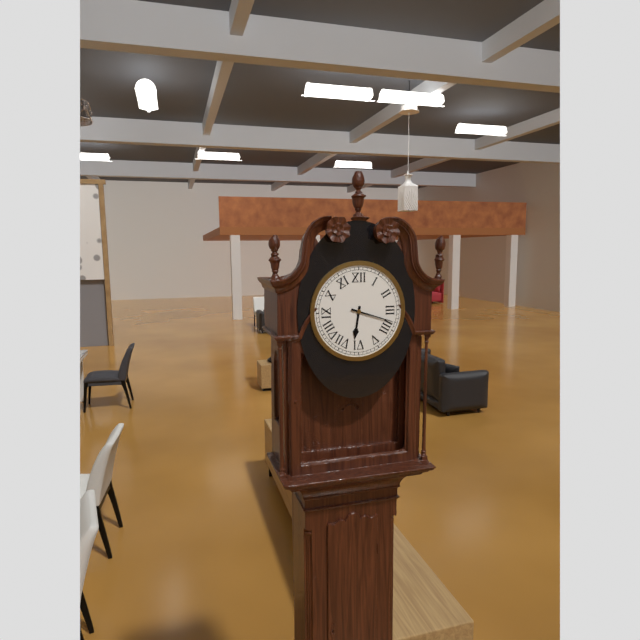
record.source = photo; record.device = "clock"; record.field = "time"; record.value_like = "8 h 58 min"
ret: 6 h 18 min
